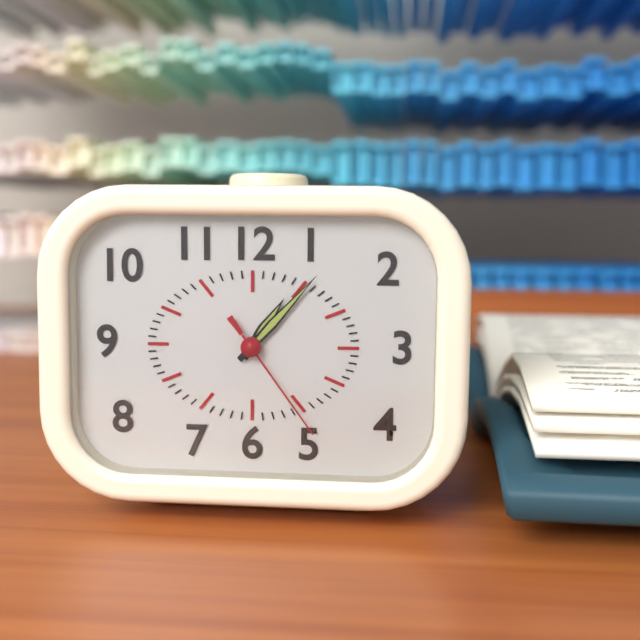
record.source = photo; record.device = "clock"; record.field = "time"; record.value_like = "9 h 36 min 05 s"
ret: 1 h 07 min 24 s
